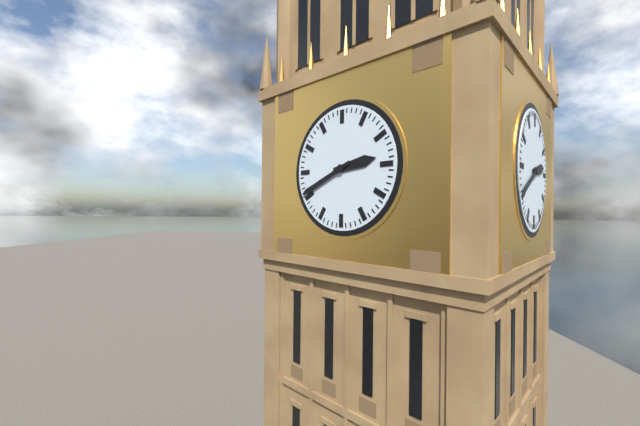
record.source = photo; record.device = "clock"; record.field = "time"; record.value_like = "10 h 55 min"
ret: 2 h 41 min
